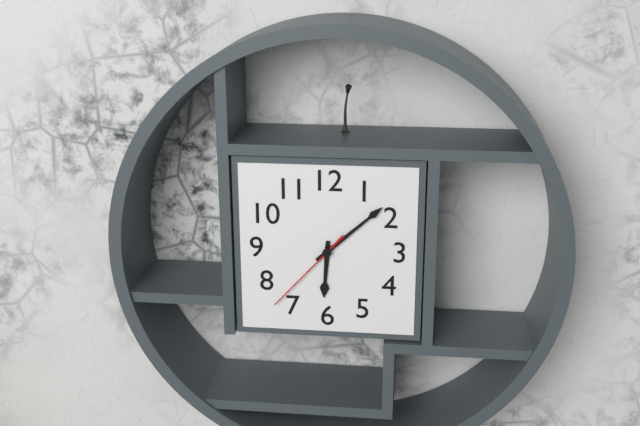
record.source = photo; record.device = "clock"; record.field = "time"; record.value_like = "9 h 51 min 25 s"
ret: 6 h 08 min 37 s
